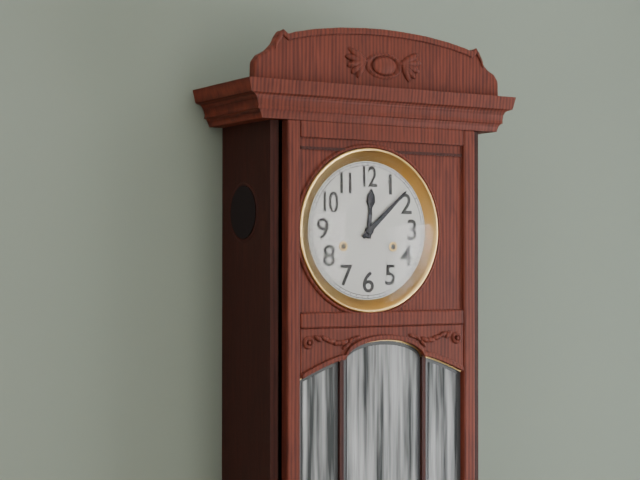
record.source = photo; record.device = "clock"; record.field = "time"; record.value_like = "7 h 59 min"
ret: 12 h 08 min
